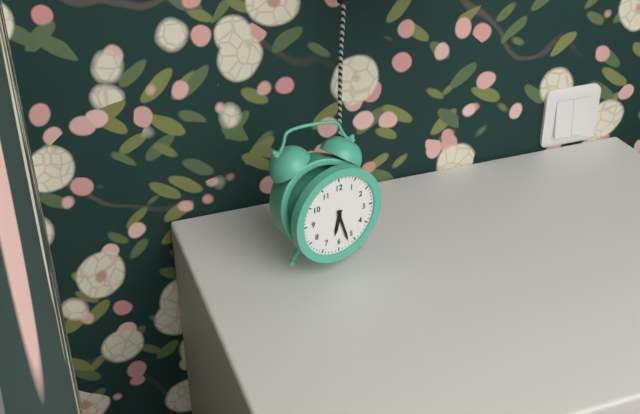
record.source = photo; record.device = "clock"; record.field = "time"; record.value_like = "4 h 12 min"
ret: 6 h 27 min
